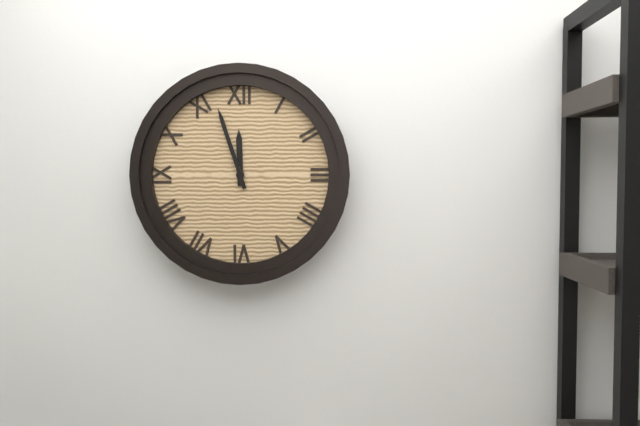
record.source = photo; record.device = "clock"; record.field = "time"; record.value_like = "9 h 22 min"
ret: 11 h 57 min
